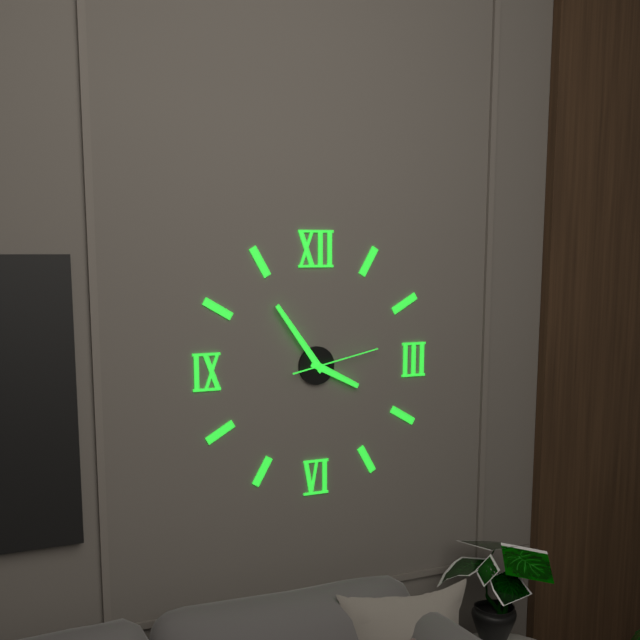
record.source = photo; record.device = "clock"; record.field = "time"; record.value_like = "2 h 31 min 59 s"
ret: 3 h 54 min 13 s
